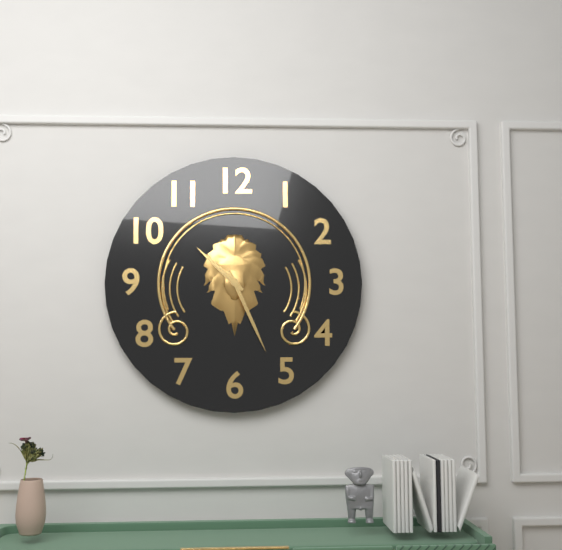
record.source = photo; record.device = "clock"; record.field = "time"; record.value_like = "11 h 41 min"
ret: 10 h 26 min
